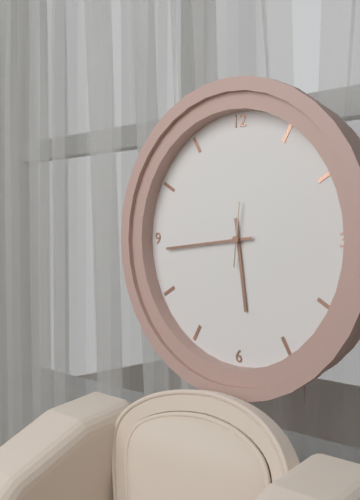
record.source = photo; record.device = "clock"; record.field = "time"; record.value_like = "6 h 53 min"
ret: 5 h 44 min
